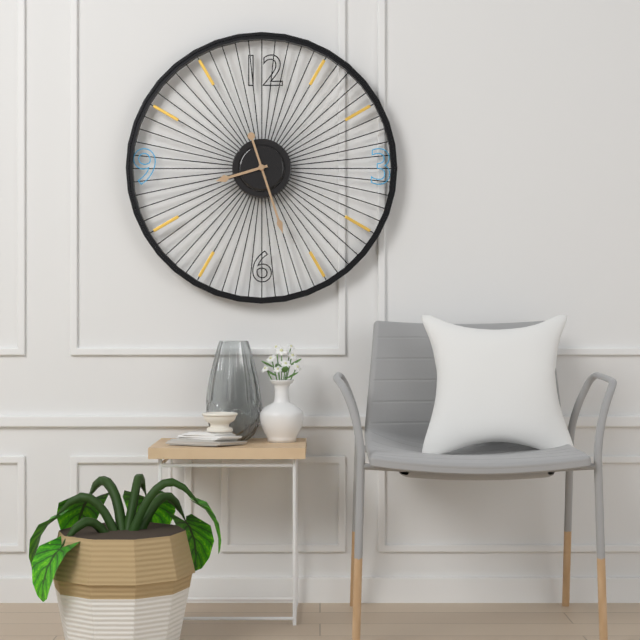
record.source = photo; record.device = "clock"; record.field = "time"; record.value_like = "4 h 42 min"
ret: 8 h 27 min
